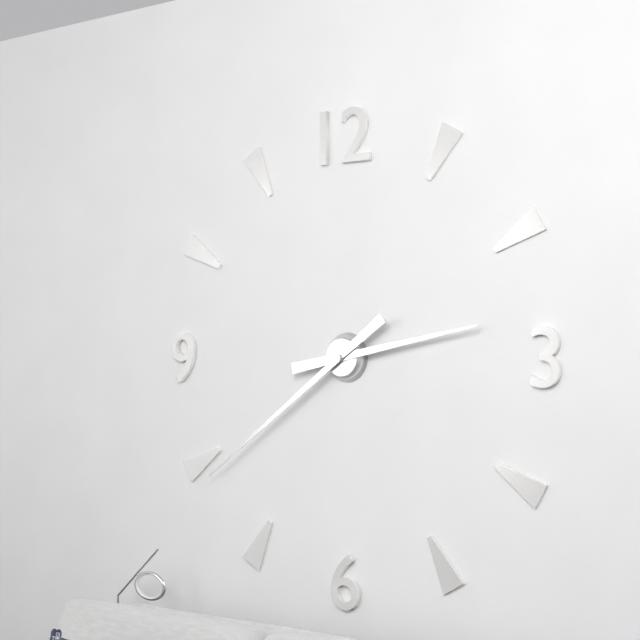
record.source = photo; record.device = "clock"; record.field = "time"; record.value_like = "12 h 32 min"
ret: 2 h 39 min
